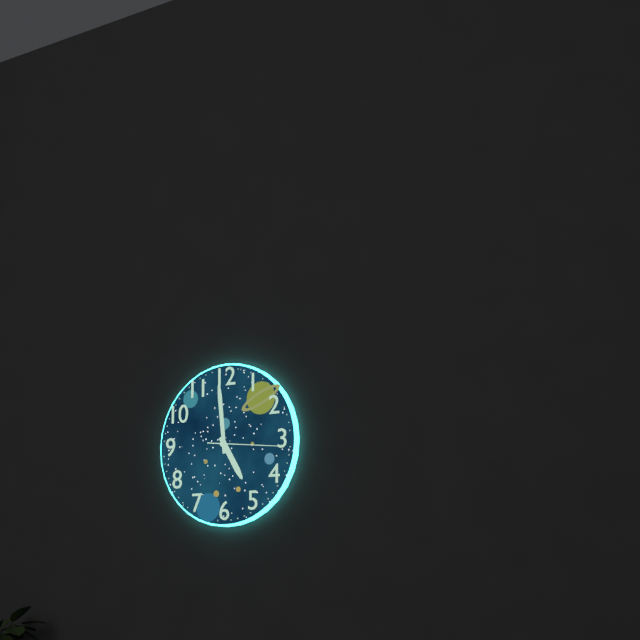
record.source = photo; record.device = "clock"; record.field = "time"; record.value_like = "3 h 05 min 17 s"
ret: 4 h 59 min 16 s
